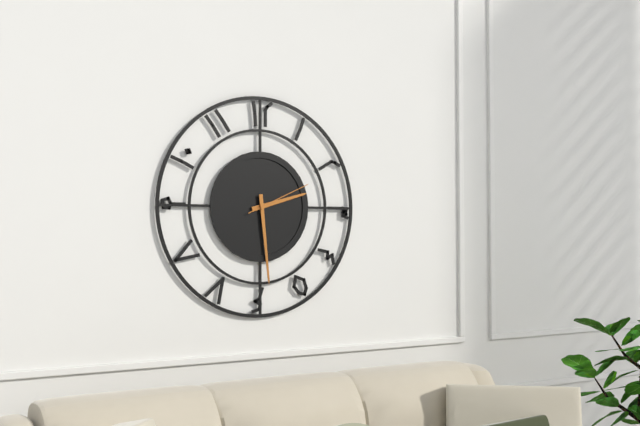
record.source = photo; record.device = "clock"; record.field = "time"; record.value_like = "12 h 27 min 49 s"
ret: 2 h 29 min 11 s
